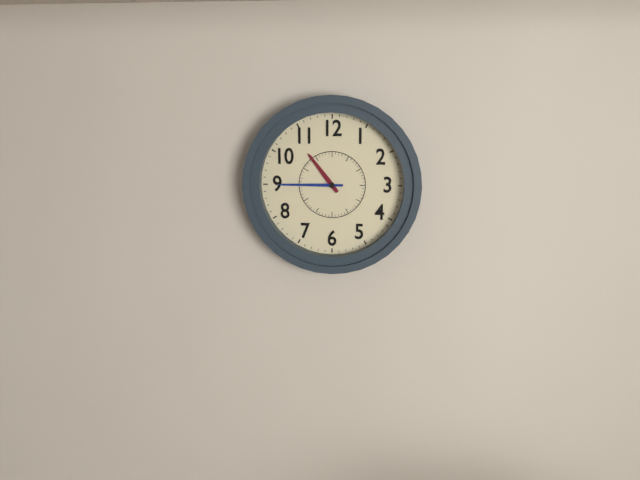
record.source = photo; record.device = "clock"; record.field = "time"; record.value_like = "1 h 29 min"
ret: 10 h 45 min
